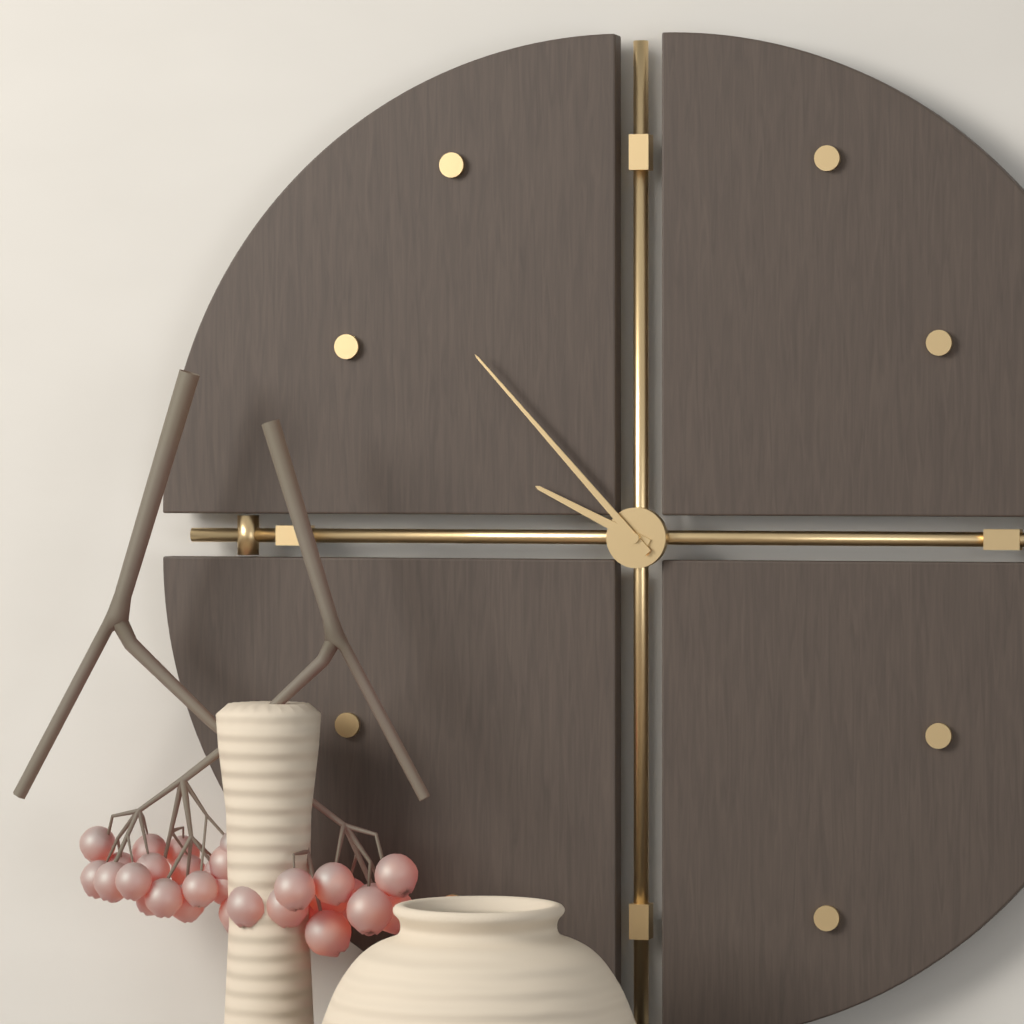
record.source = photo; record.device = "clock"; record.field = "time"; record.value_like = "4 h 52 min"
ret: 9 h 53 min
